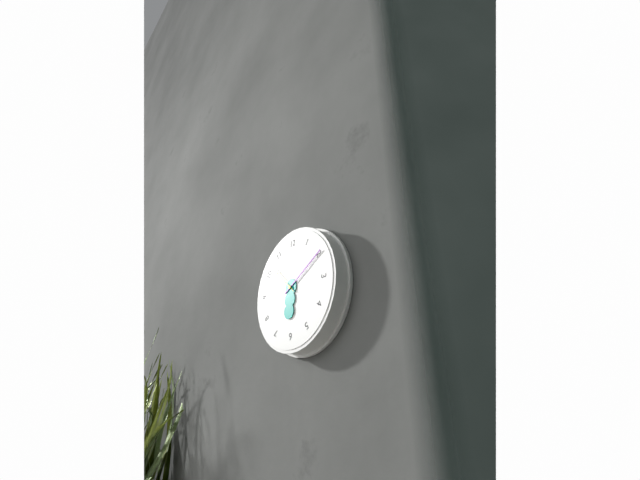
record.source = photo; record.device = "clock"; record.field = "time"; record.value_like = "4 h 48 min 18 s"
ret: 6 h 10 min 52 s
